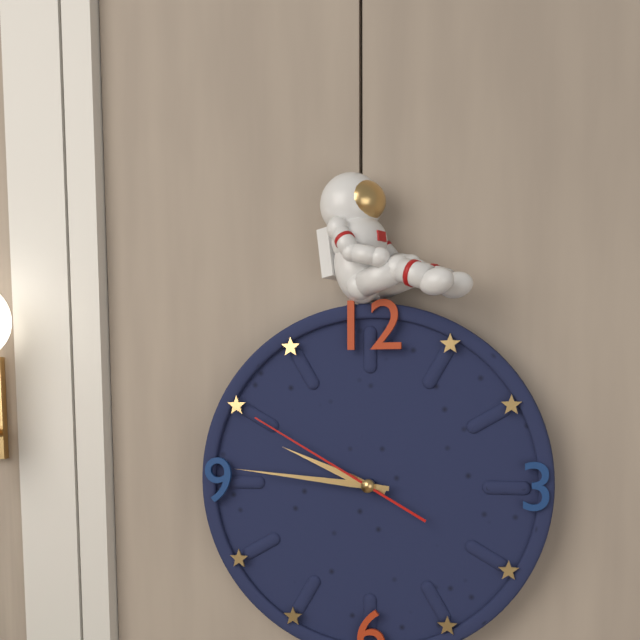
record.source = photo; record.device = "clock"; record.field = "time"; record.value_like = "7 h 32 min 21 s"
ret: 9 h 46 min 50 s
